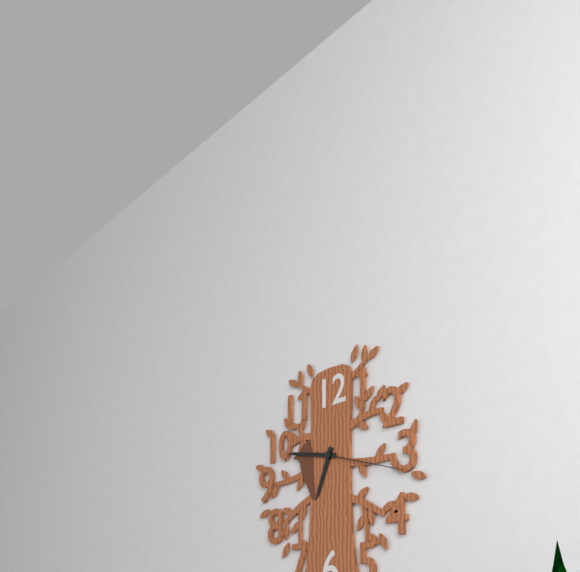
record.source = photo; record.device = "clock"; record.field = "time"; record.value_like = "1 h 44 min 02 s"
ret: 6 h 47 min 18 s
